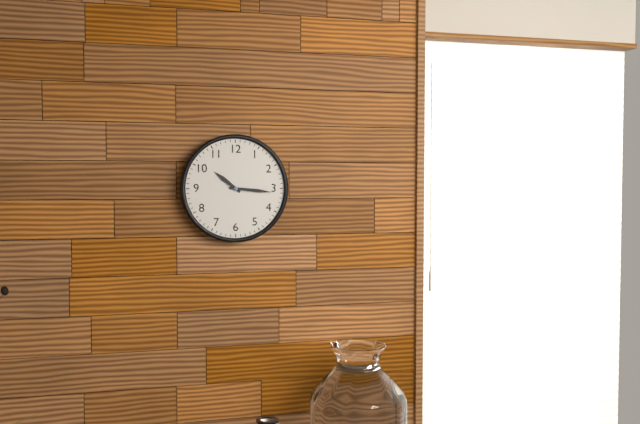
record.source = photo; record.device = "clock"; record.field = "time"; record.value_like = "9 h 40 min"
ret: 10 h 16 min
